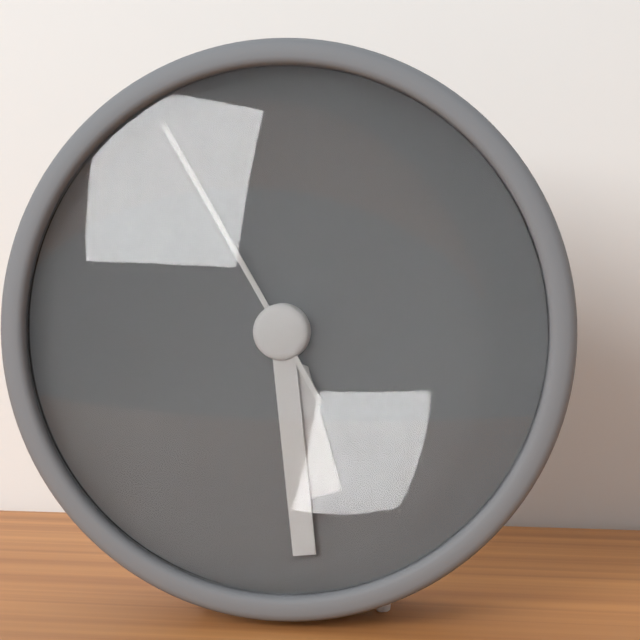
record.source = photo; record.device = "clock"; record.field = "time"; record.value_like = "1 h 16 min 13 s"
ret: 5 h 29 min 55 s
